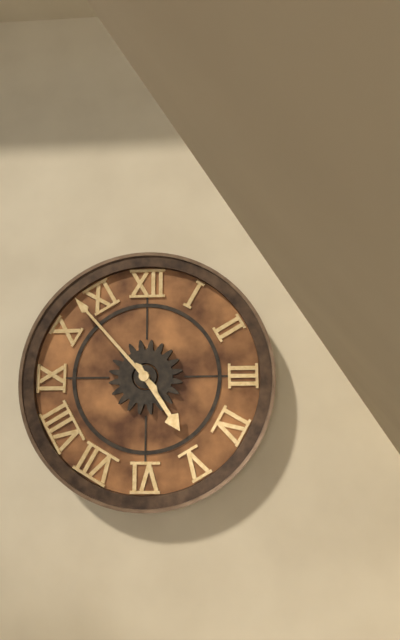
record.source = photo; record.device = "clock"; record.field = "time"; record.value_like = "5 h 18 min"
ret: 4 h 53 min
